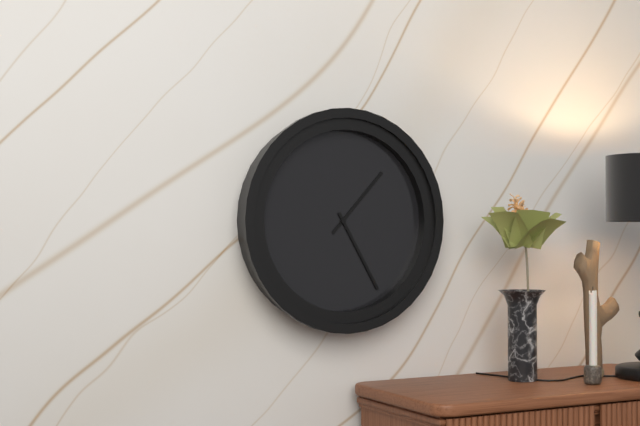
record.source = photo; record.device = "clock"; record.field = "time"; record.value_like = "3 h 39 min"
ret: 1 h 25 min
